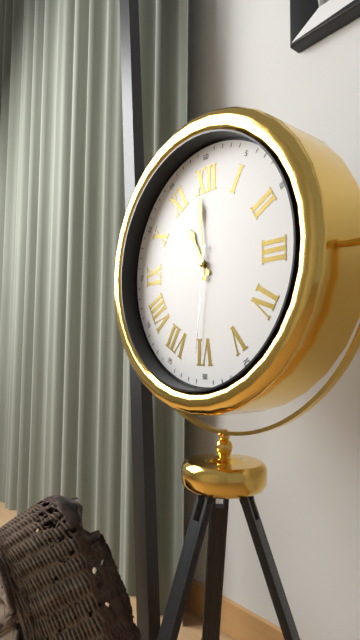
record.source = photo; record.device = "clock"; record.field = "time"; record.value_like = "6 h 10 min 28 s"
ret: 10 h 59 min 31 s
